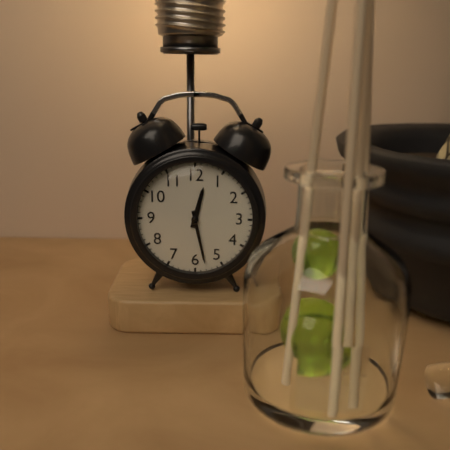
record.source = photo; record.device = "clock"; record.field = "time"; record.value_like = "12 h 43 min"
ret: 12 h 28 min
